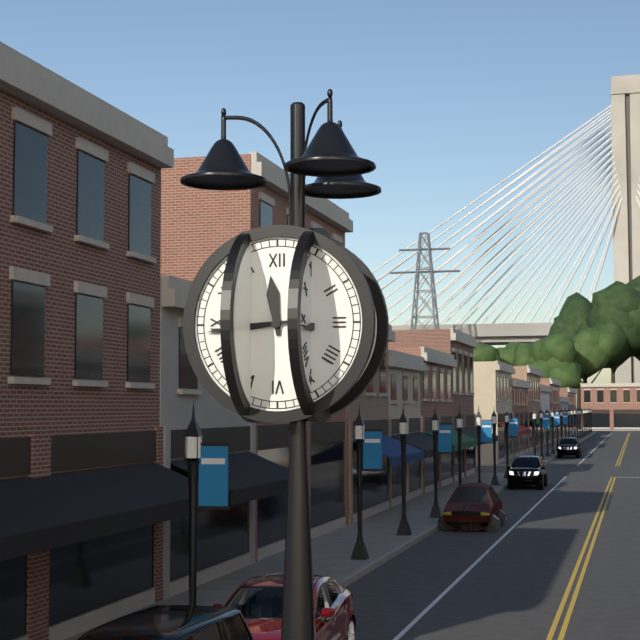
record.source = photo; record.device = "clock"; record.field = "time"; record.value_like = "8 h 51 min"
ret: 11 h 44 min
